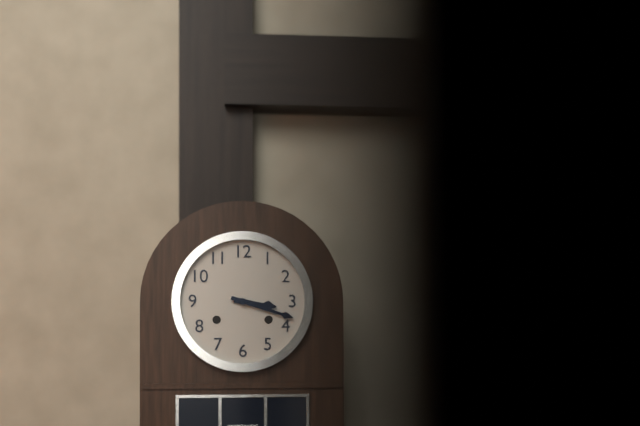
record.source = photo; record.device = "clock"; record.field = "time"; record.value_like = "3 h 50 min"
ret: 3 h 18 min
